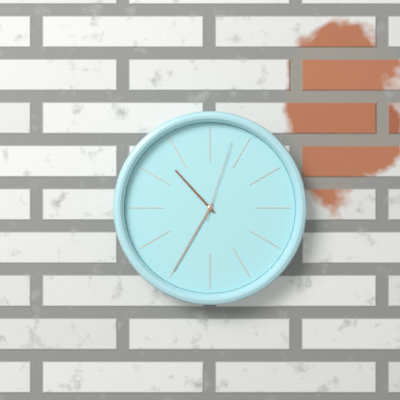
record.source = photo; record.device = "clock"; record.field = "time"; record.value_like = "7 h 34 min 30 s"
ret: 10 h 35 min 03 s
